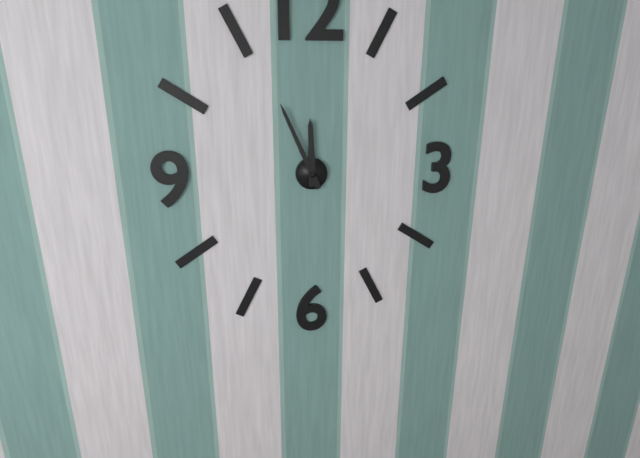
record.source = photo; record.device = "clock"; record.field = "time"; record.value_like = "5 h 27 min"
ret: 11 h 56 min
